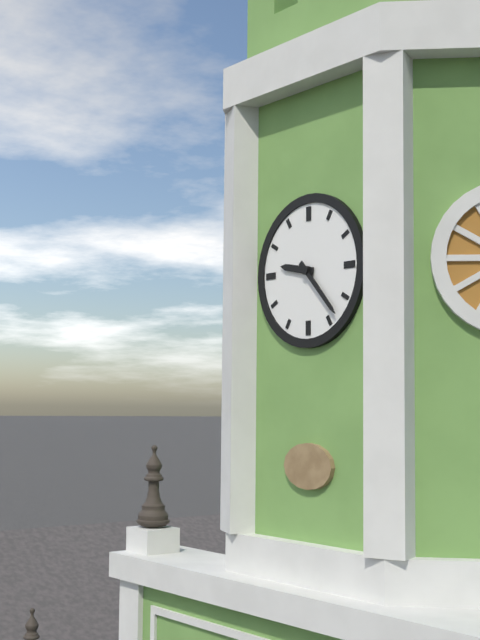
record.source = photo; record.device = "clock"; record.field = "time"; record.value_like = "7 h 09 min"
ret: 9 h 23 min
